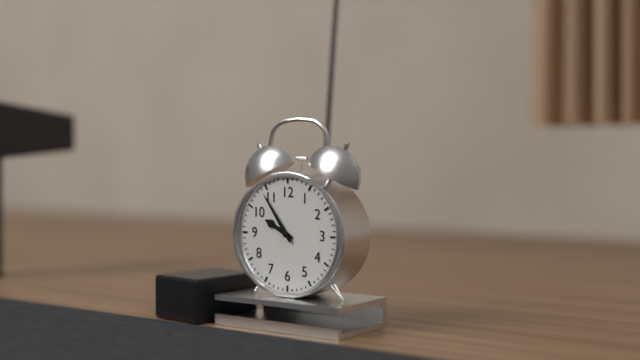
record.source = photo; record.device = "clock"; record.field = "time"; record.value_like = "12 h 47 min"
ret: 9 h 54 min
